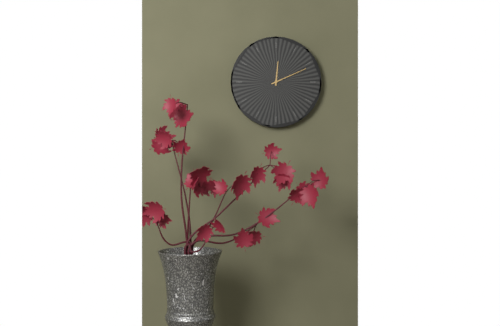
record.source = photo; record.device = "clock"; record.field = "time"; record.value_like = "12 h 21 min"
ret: 12 h 11 min
